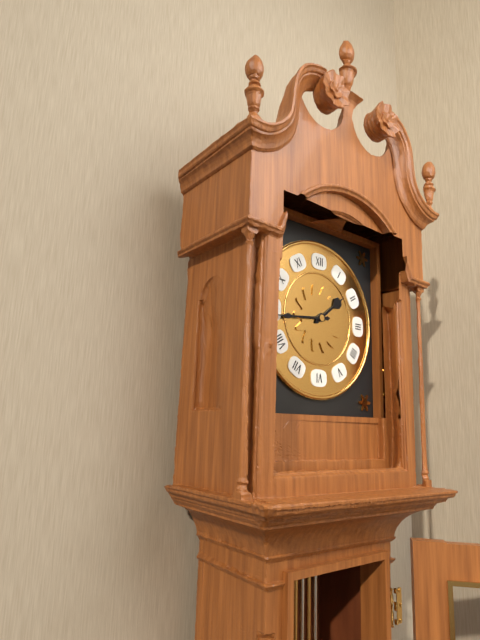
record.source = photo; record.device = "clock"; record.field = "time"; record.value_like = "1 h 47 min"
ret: 1 h 44 min
